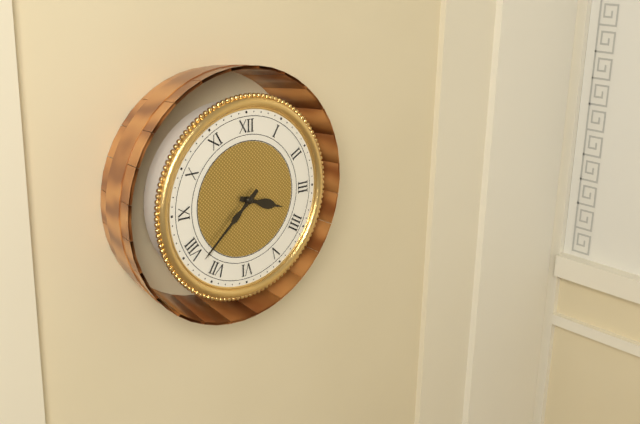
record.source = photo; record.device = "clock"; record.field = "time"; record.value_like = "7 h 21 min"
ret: 3 h 38 min
